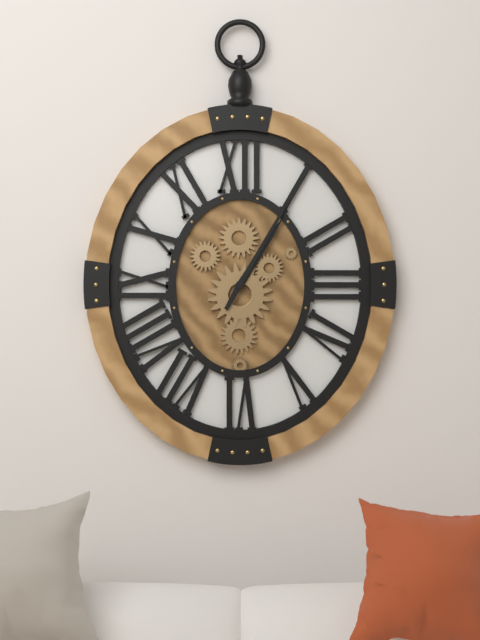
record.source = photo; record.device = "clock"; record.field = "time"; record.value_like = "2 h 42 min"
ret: 1 h 05 min
